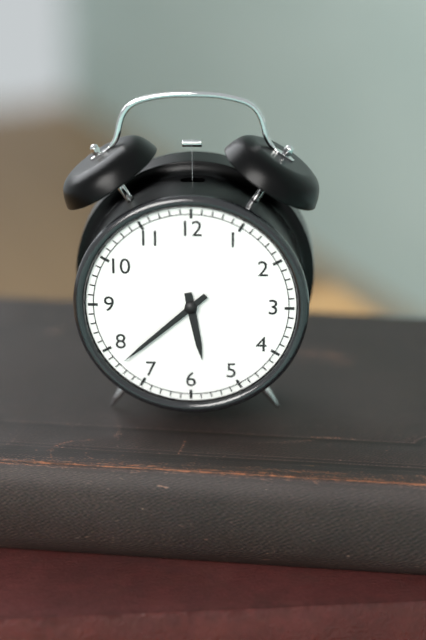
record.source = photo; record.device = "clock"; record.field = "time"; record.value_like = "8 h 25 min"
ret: 5 h 38 min
